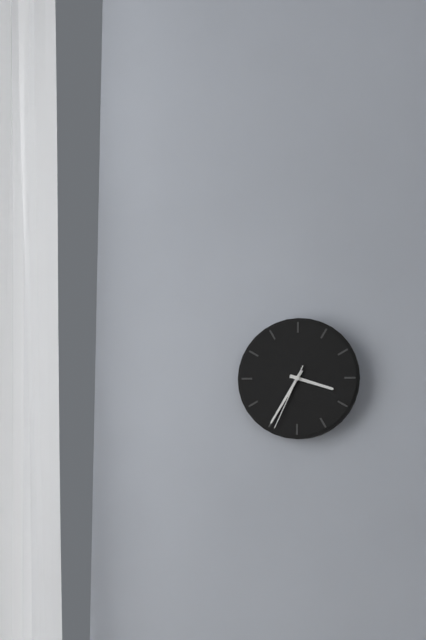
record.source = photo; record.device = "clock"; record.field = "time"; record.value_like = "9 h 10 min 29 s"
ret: 3 h 35 min 34 s
